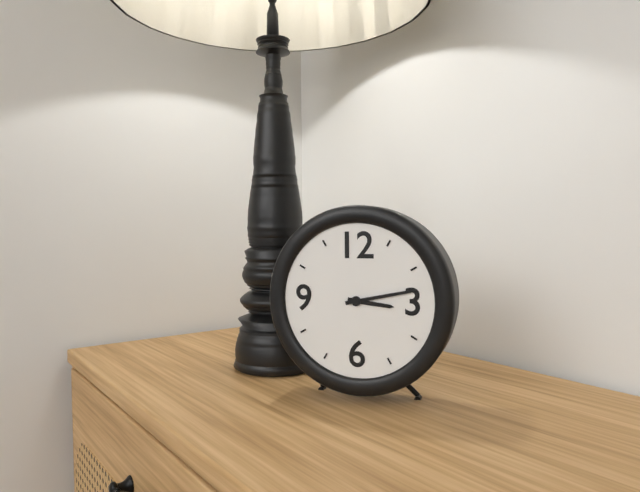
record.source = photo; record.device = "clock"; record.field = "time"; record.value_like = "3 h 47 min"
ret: 3 h 13 min
